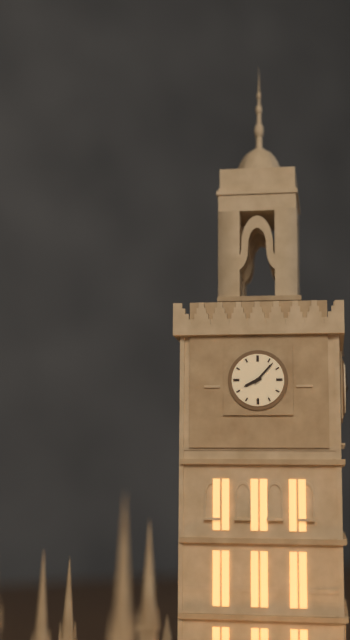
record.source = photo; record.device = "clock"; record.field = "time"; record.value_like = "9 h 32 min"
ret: 8 h 07 min
